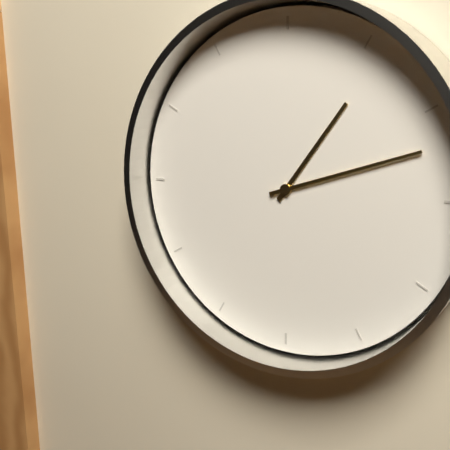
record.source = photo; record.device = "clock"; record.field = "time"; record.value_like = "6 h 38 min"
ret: 1 h 12 min
